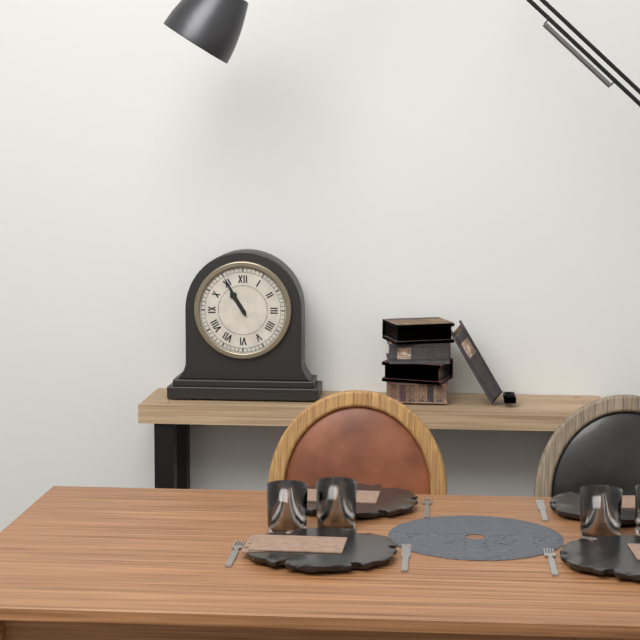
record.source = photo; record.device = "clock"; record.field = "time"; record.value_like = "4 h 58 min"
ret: 10 h 55 min
